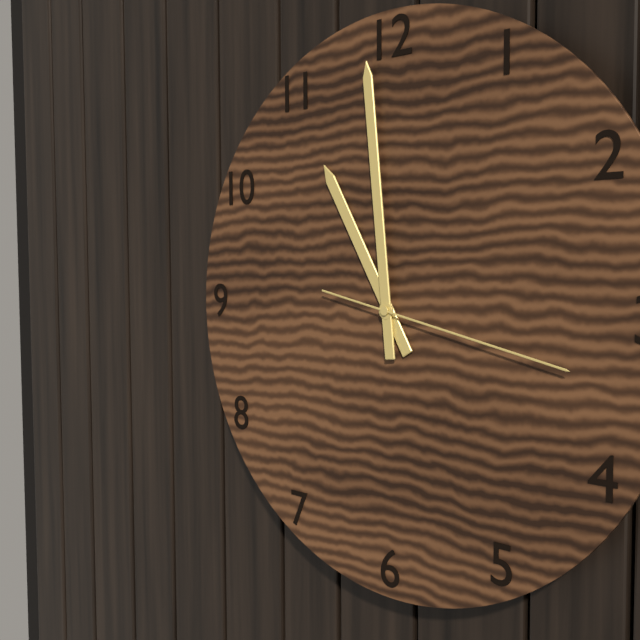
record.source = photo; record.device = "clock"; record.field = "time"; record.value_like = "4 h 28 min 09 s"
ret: 10 h 59 min 17 s
